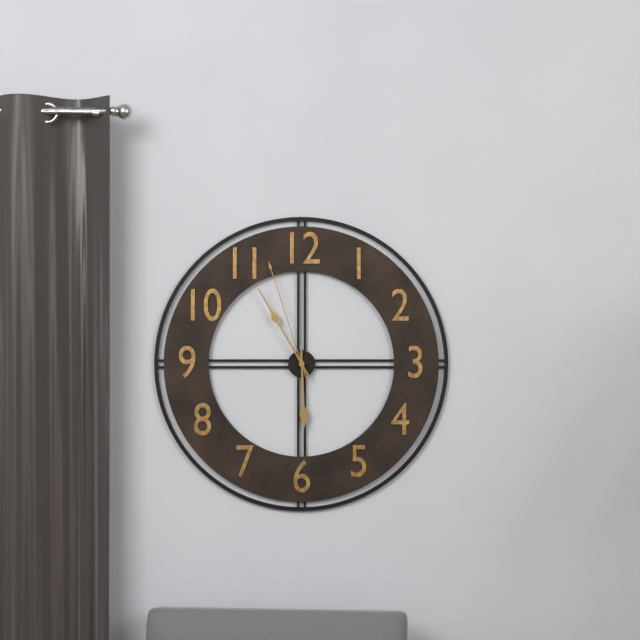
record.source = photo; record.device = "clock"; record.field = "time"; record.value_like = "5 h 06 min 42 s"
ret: 5 h 55 min 57 s
